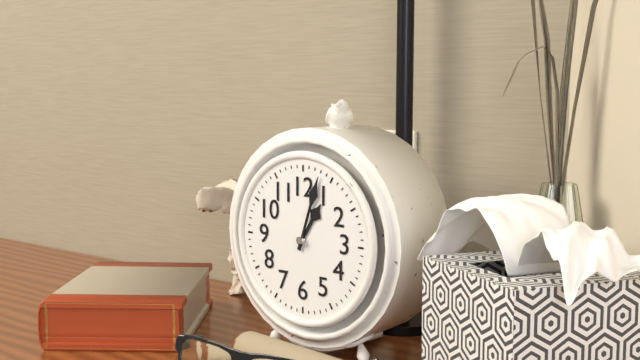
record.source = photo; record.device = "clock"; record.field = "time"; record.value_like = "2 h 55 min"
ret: 1 h 03 min
